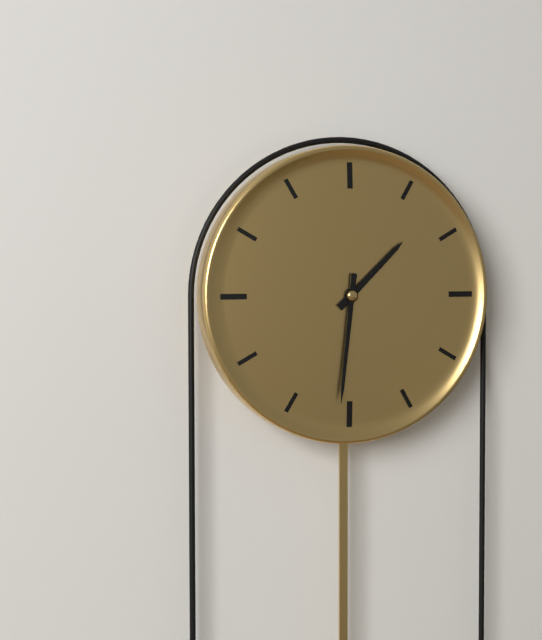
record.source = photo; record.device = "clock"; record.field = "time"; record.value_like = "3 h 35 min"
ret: 1 h 31 min
